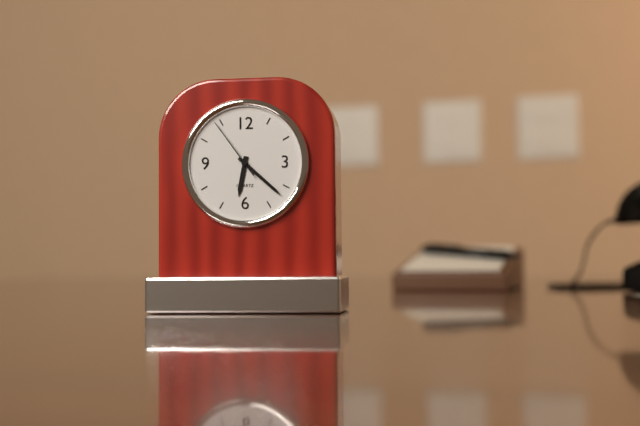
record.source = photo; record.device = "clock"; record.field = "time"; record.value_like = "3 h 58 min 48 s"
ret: 6 h 22 min 54 s
